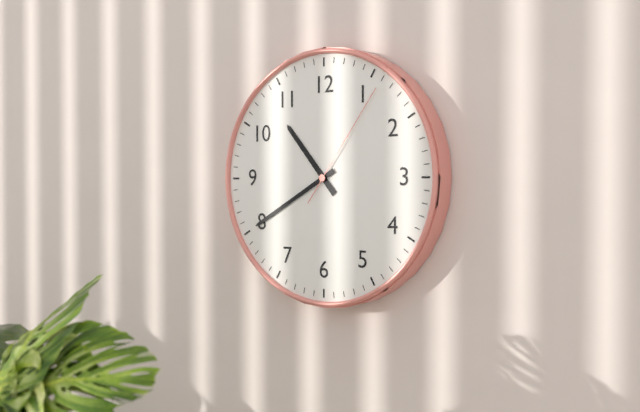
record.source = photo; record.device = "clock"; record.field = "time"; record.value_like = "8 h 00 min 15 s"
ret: 10 h 40 min 06 s
